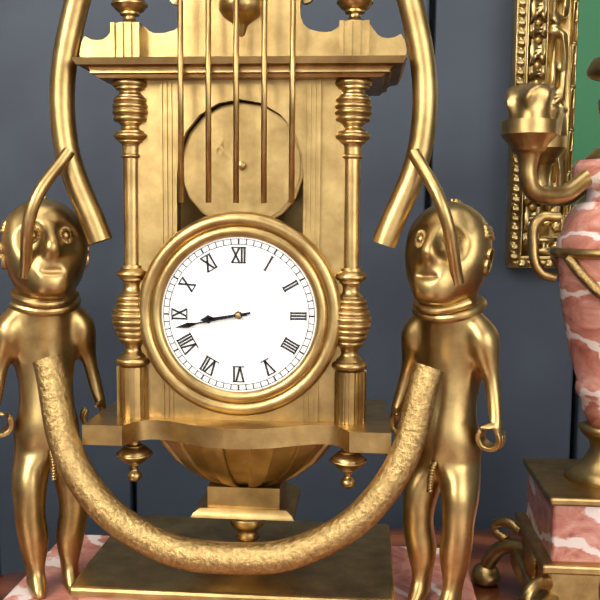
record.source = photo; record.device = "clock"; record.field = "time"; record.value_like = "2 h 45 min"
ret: 8 h 43 min
